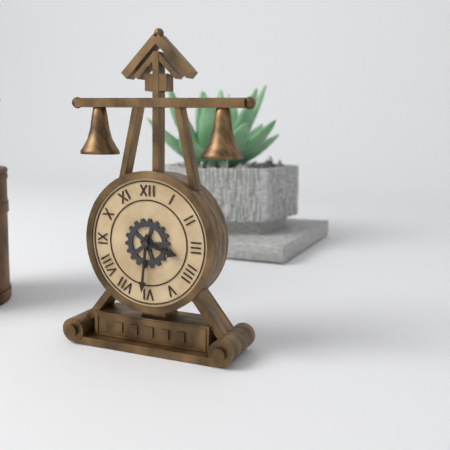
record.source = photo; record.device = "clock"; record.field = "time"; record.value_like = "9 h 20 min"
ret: 3 h 31 min
